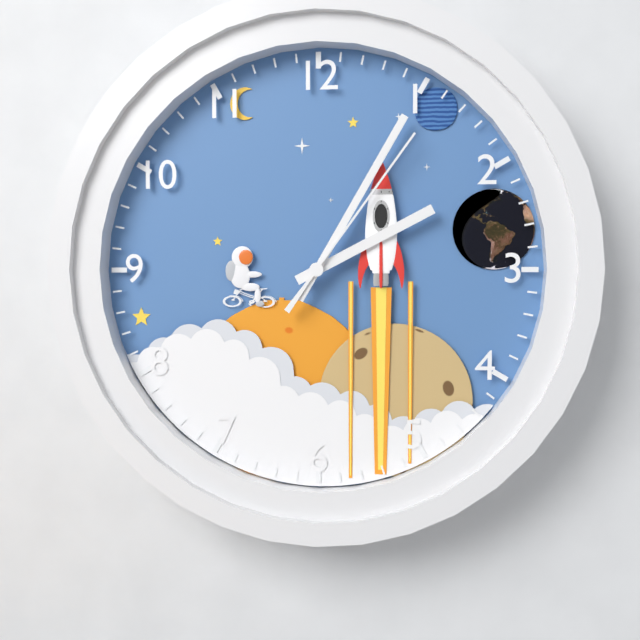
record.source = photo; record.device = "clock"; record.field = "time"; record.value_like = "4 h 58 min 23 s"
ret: 2 h 05 min 06 s
